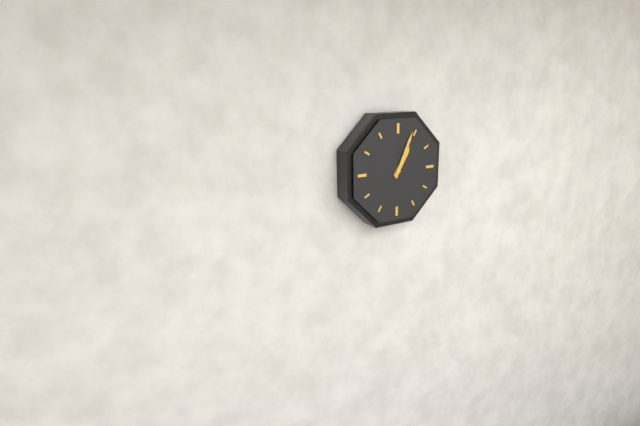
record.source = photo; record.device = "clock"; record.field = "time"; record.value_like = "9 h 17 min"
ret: 1 h 04 min
